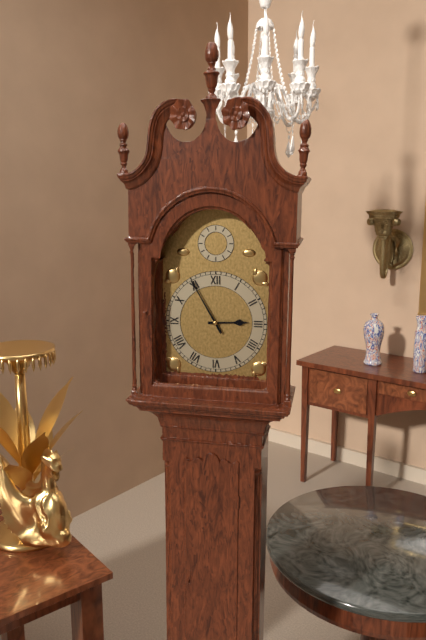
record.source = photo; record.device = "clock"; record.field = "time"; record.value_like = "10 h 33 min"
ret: 2 h 55 min
